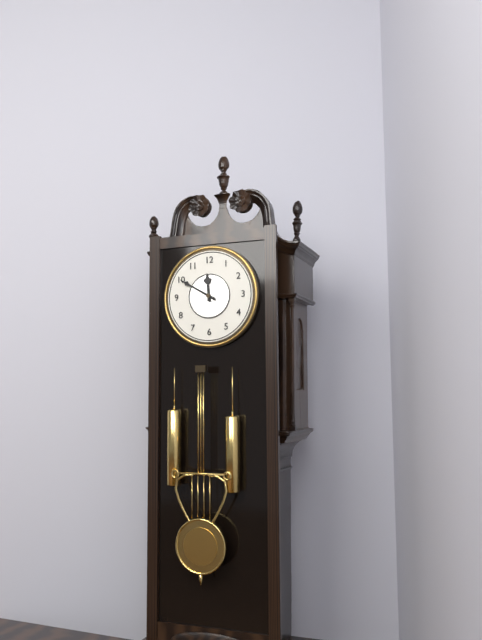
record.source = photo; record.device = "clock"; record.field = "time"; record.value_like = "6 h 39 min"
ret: 11 h 50 min
